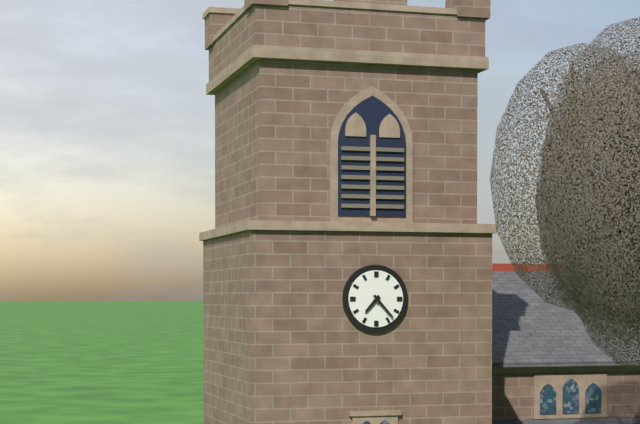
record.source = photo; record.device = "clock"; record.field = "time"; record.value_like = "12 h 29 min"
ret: 7 h 23 min
